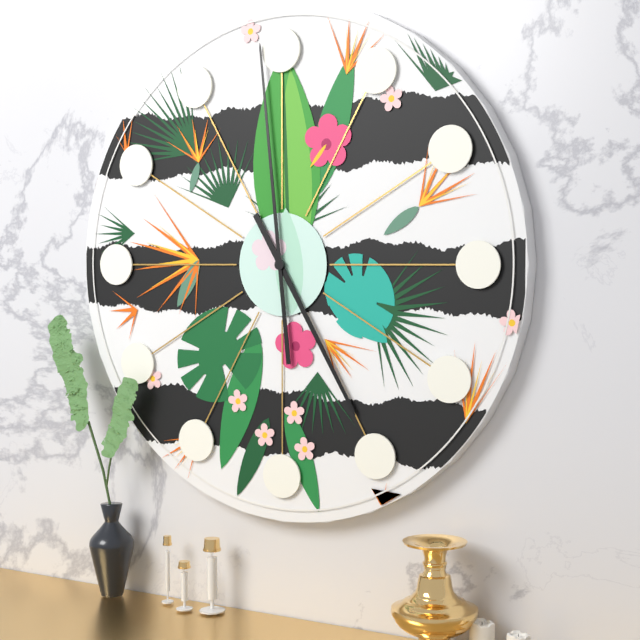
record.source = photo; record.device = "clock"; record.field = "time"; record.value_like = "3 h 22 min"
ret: 4 h 59 min
